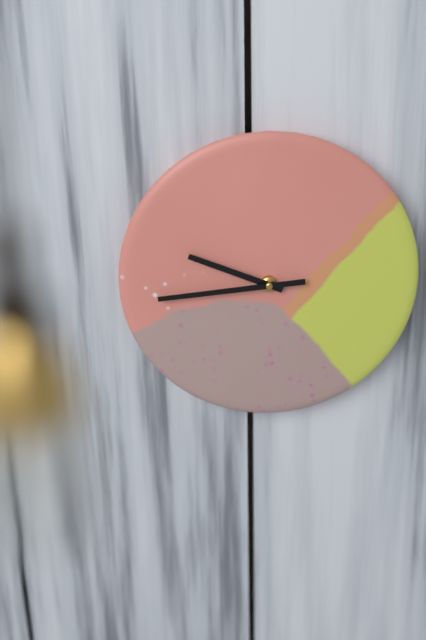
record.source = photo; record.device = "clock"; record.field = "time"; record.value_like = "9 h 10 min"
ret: 9 h 44 min
